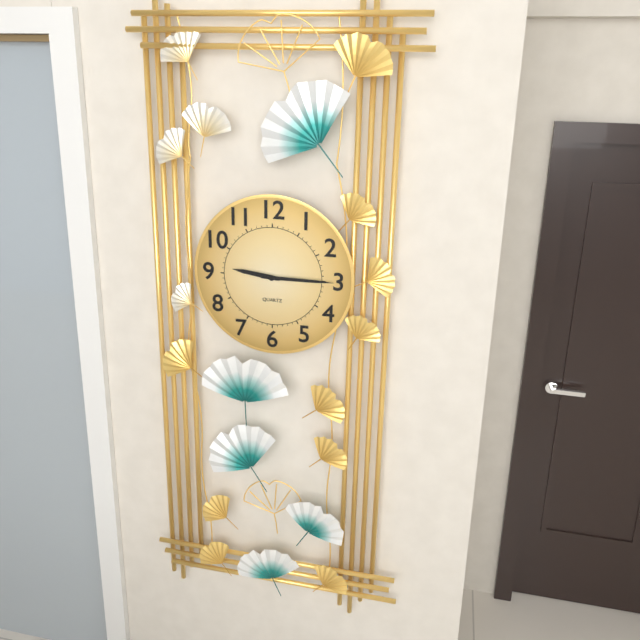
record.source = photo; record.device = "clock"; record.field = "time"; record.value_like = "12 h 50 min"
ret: 9 h 15 min
